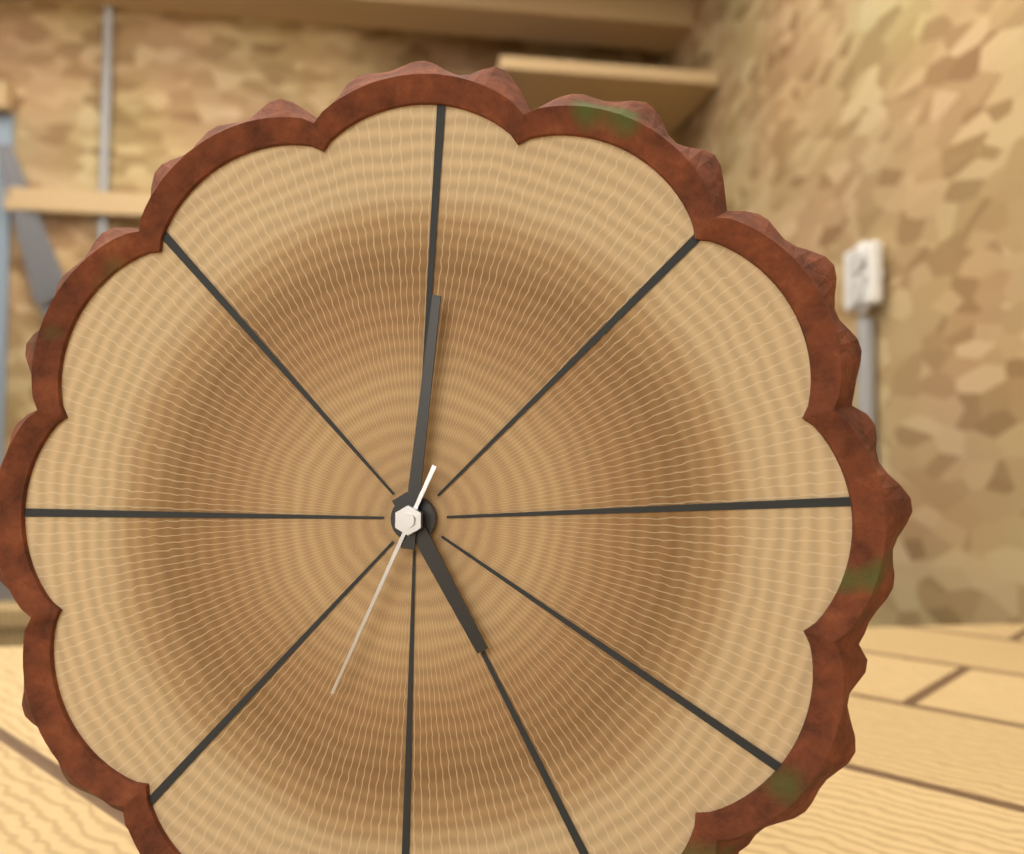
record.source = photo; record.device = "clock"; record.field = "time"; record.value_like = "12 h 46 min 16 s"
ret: 5 h 01 min 34 s
